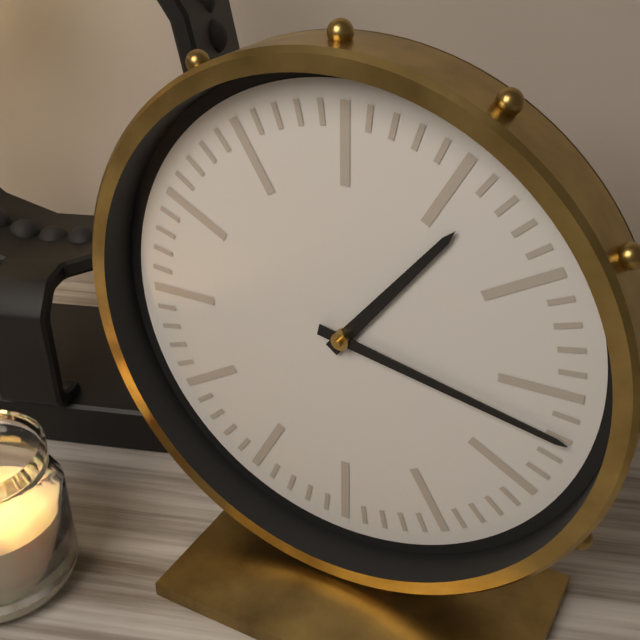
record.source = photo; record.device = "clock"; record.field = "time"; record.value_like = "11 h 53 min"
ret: 1 h 17 min
